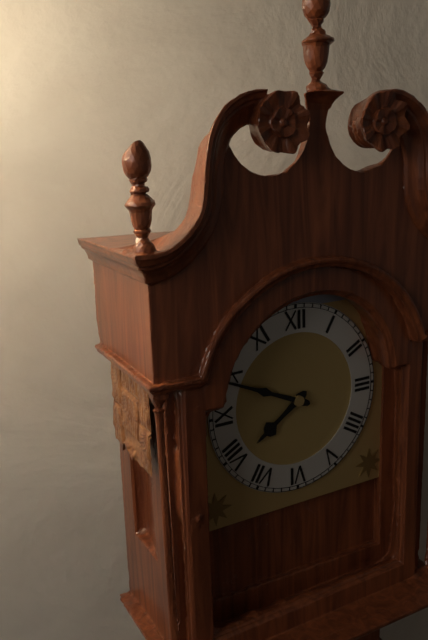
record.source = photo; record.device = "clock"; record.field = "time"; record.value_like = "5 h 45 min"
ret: 7 h 49 min
